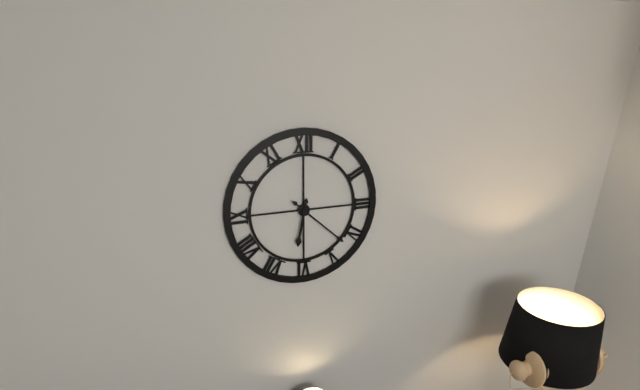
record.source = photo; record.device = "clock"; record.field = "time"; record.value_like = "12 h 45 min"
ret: 6 h 22 min
